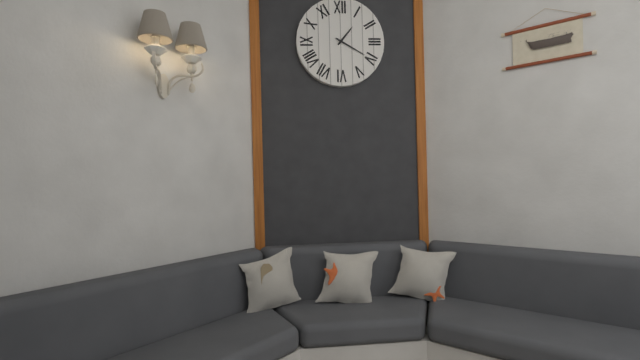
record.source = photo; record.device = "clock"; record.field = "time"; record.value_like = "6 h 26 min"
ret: 1 h 20 min
